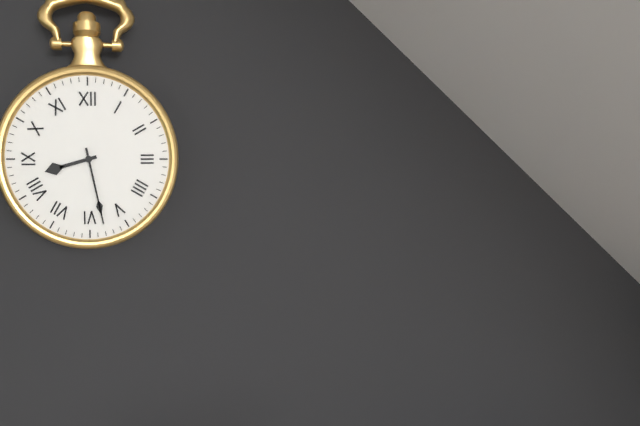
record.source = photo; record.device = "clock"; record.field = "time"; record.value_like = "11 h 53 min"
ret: 8 h 28 min
